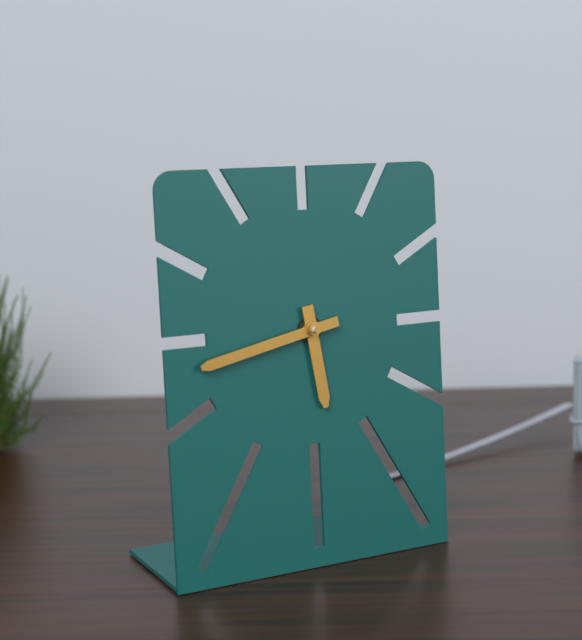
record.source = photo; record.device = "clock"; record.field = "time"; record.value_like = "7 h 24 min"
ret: 5 h 43 min
